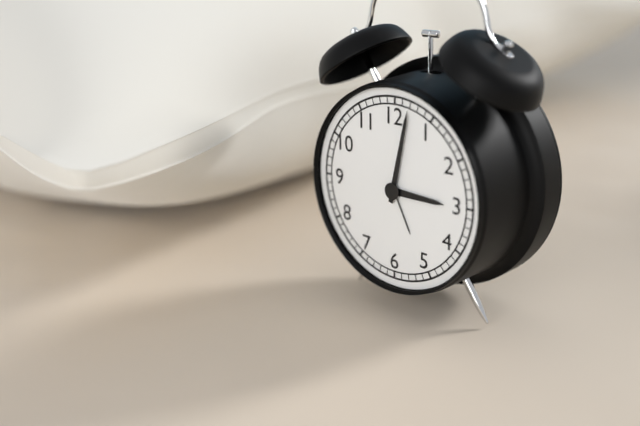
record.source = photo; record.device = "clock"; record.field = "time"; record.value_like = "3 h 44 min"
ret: 3 h 02 min
